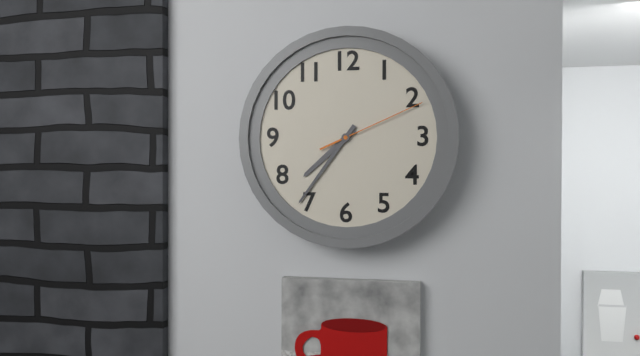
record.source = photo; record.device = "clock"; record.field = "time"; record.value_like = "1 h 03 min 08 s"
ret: 7 h 36 min 11 s
